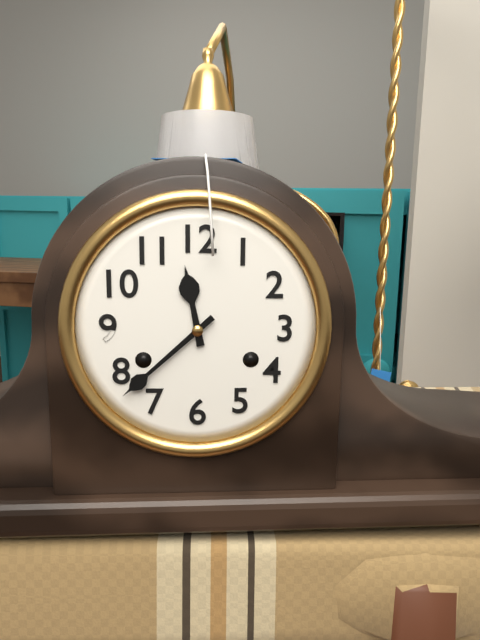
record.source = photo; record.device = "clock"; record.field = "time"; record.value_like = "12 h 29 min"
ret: 11 h 38 min
